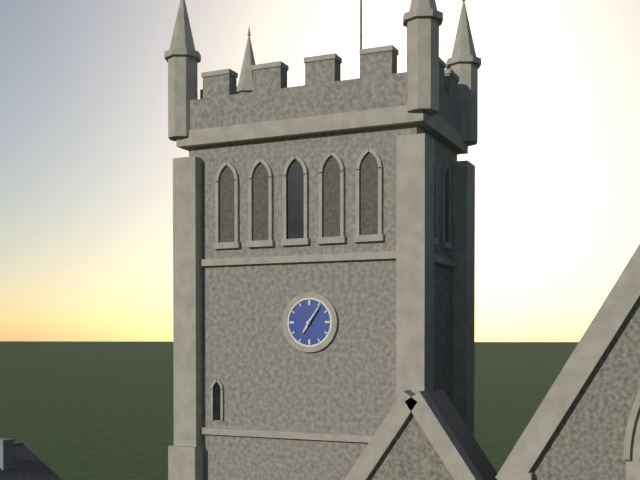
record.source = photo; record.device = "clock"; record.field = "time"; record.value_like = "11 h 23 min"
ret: 7 h 06 min
